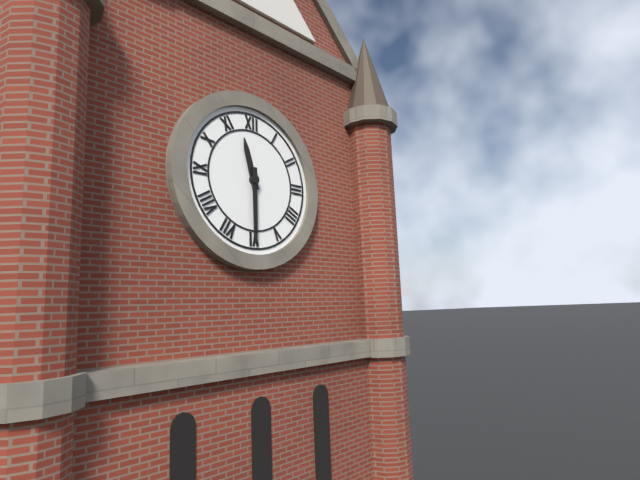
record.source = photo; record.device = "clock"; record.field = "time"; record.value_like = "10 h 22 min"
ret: 11 h 30 min
